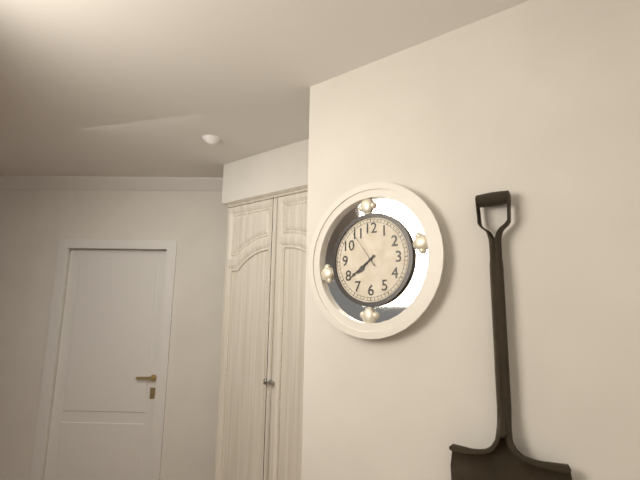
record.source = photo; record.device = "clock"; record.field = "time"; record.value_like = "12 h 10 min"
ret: 7 h 39 min
